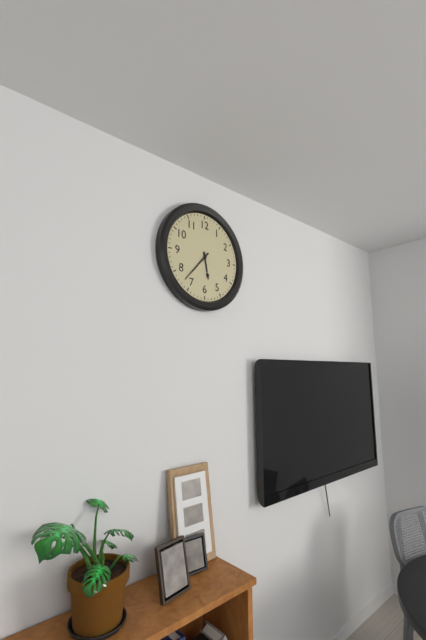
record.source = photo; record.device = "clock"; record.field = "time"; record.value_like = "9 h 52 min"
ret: 5 h 37 min
